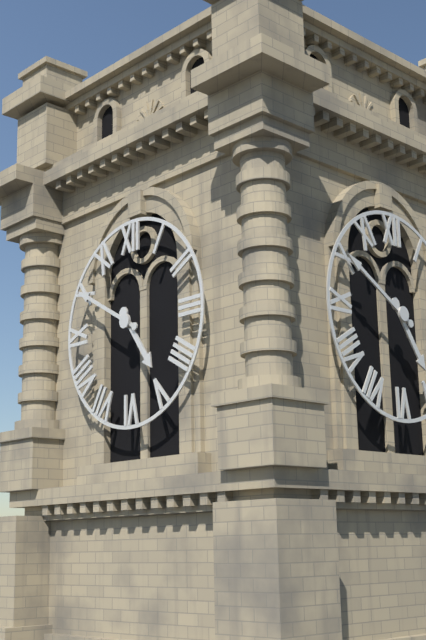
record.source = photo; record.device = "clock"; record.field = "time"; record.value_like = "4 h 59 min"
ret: 4 h 50 min
